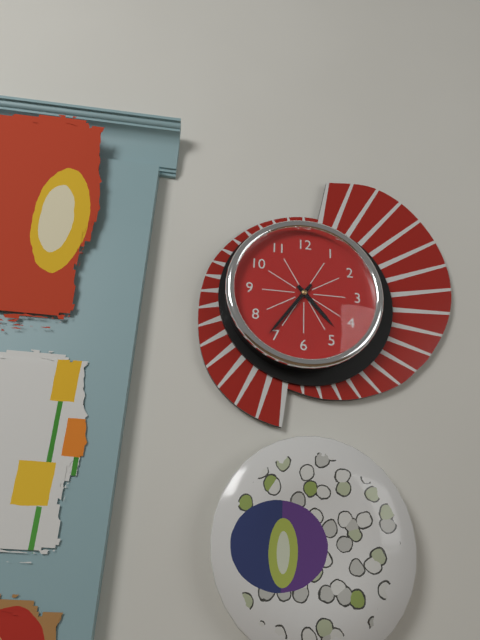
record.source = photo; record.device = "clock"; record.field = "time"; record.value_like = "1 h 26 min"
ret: 4 h 36 min
